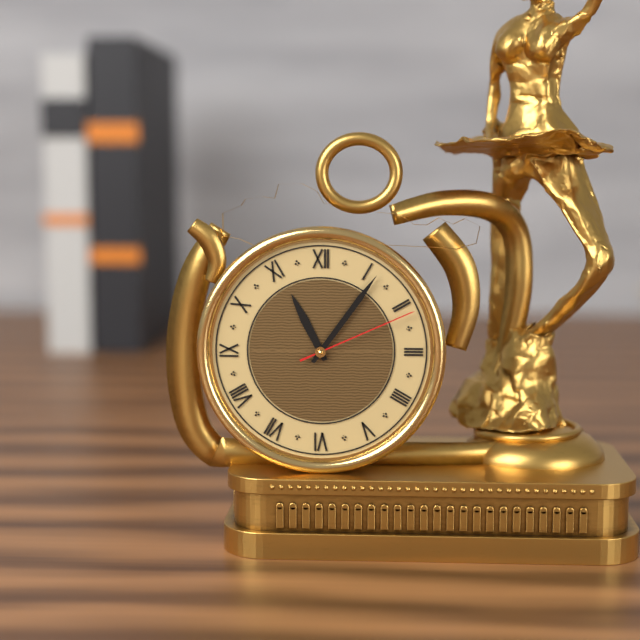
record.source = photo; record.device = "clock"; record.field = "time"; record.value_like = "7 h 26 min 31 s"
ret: 11 h 06 min 11 s
